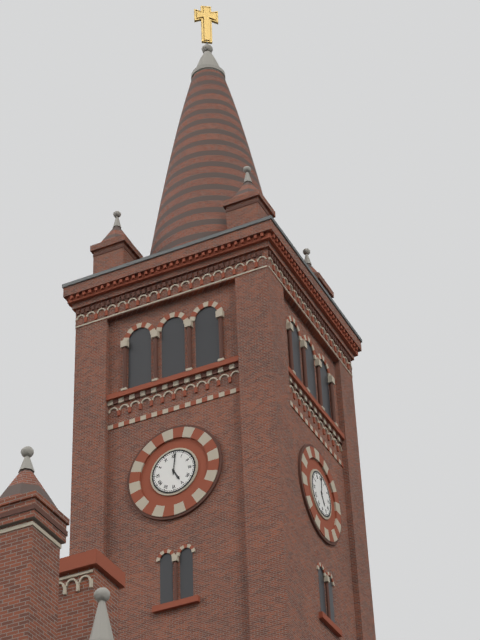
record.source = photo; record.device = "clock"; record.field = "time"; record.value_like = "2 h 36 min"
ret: 5 h 01 min
